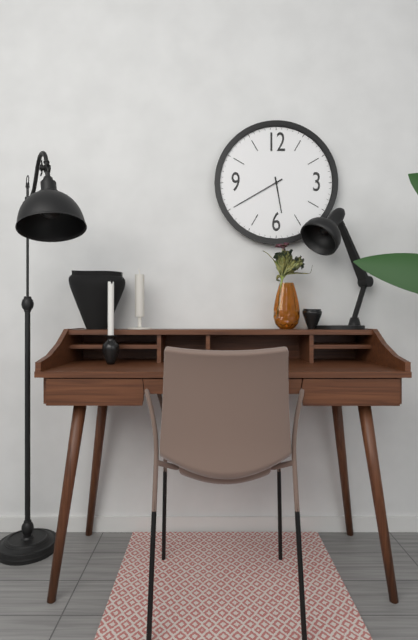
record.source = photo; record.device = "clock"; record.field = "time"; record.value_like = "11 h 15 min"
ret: 5 h 40 min
